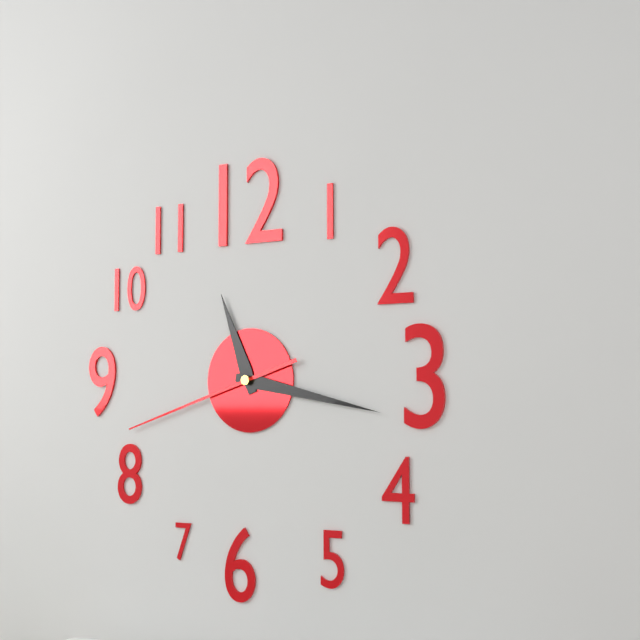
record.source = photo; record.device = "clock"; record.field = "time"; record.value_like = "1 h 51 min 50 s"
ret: 11 h 17 min 42 s
